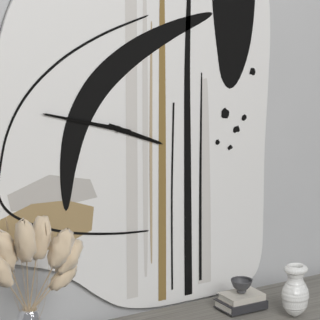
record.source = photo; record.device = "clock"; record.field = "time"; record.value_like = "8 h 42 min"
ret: 3 h 48 min
